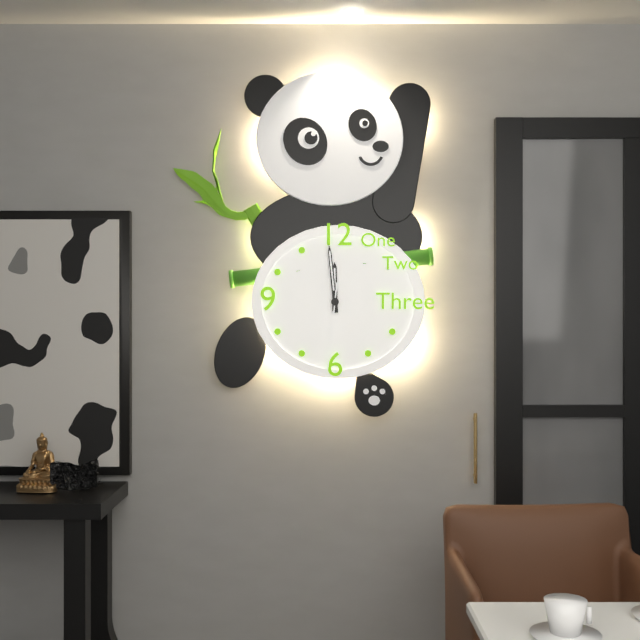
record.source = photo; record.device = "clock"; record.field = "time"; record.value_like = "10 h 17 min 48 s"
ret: 11 h 59 min 31 s
